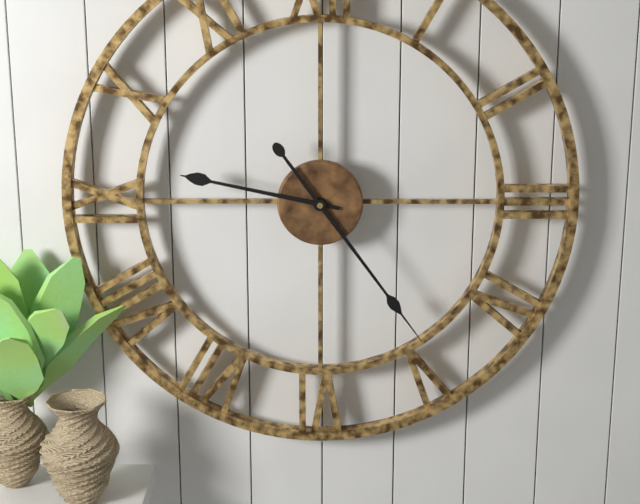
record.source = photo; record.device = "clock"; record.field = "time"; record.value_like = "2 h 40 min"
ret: 9 h 24 min
